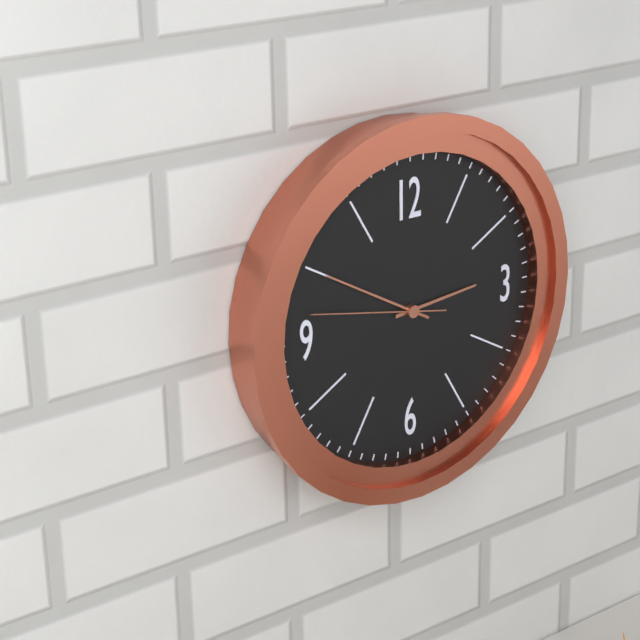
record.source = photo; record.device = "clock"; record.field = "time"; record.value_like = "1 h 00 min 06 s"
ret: 2 h 50 min 47 s
